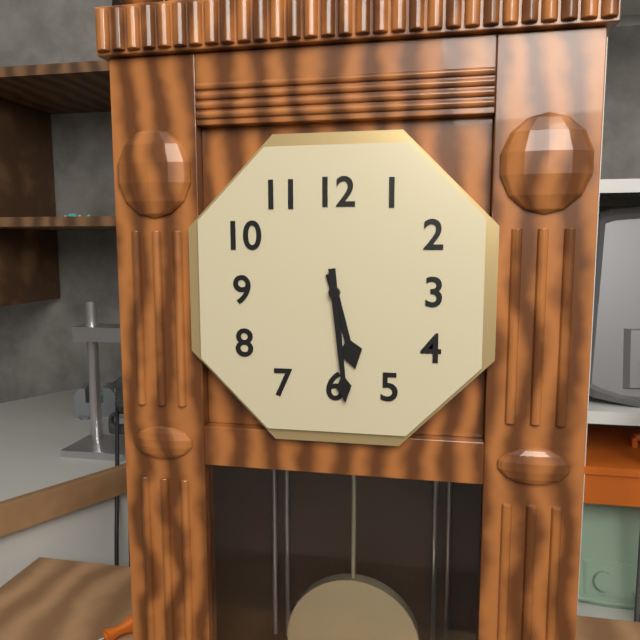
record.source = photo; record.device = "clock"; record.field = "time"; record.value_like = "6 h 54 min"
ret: 5 h 29 min
